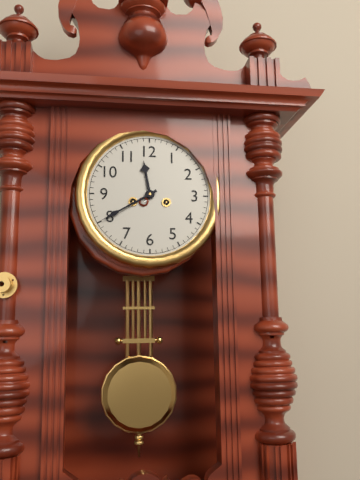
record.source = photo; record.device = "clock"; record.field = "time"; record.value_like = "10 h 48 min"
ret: 11 h 40 min
